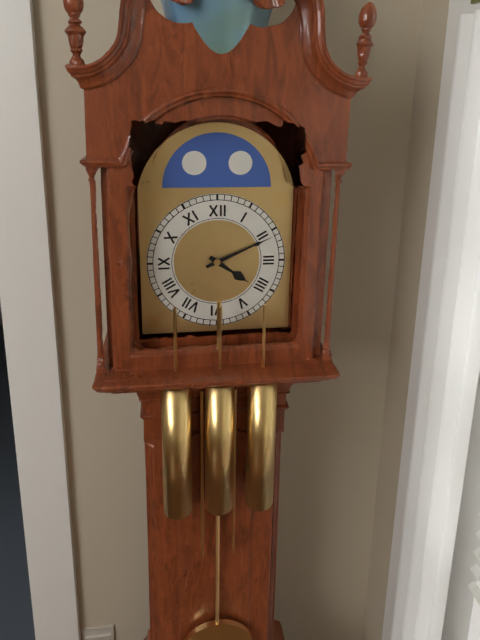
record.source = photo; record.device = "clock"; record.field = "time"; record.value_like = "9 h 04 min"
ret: 4 h 11 min
